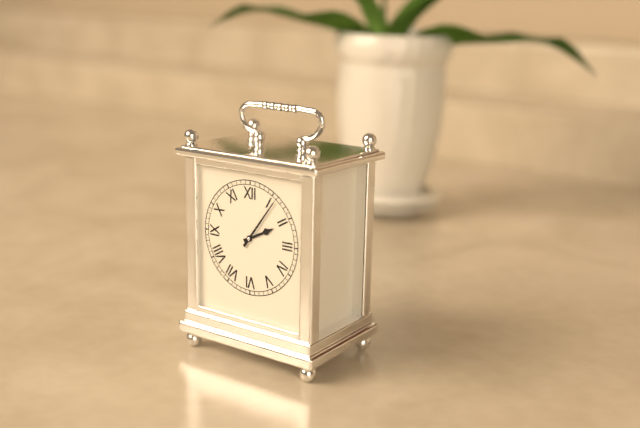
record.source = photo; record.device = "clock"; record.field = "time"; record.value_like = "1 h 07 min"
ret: 2 h 06 min
